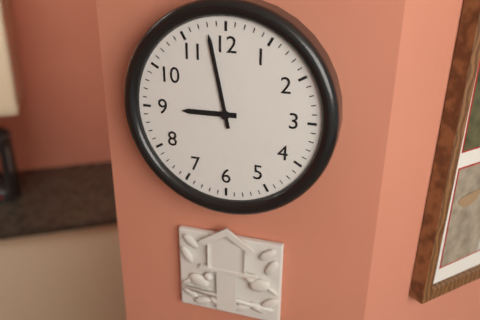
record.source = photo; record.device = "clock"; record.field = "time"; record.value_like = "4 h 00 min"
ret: 8 h 58 min
